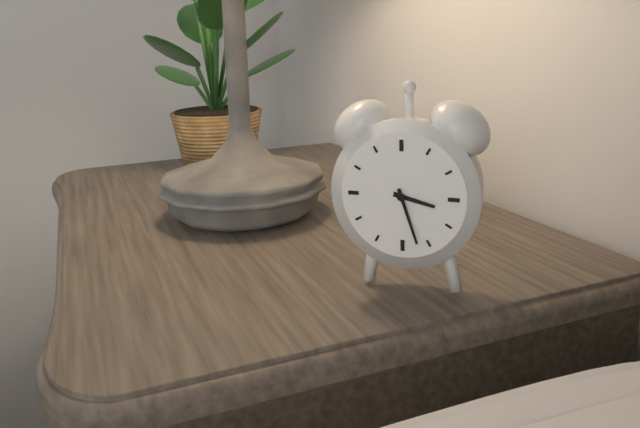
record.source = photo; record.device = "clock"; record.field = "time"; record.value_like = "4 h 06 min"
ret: 3 h 27 min
